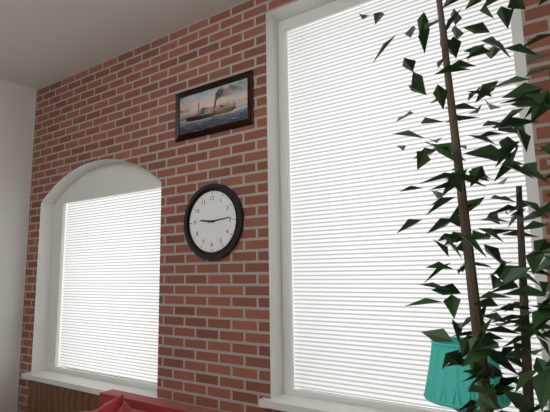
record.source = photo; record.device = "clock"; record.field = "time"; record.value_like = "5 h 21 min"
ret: 9 h 14 min
